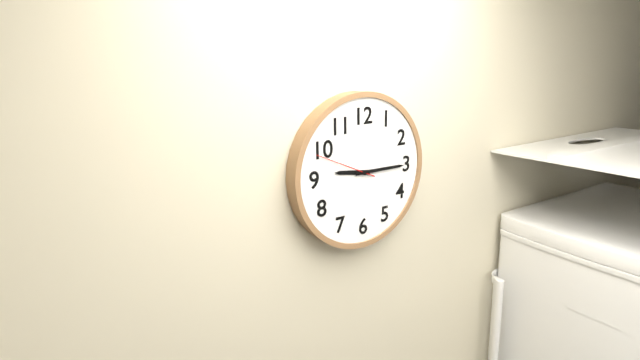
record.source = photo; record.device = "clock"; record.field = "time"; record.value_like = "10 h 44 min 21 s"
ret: 9 h 15 min 49 s
